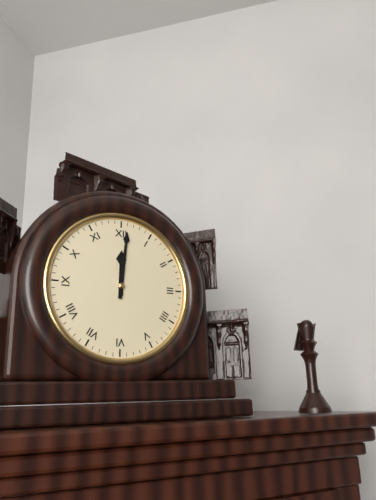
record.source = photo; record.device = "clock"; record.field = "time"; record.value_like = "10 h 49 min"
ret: 12 h 01 min
